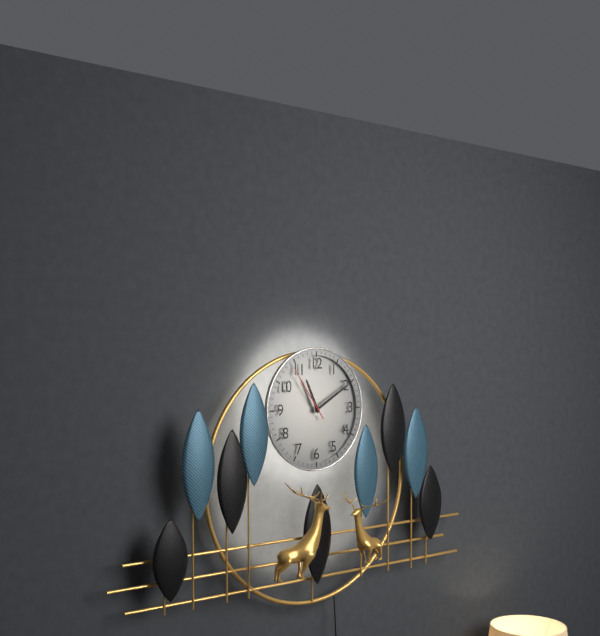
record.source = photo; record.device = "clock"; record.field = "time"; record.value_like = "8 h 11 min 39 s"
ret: 11 h 10 min 54 s
